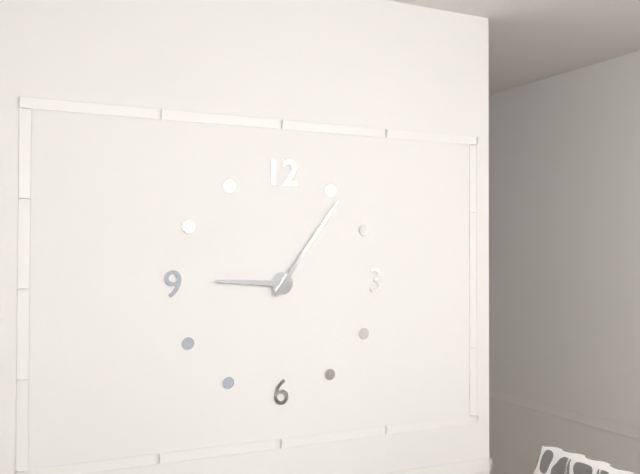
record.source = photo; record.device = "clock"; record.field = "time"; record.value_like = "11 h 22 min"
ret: 9 h 06 min
